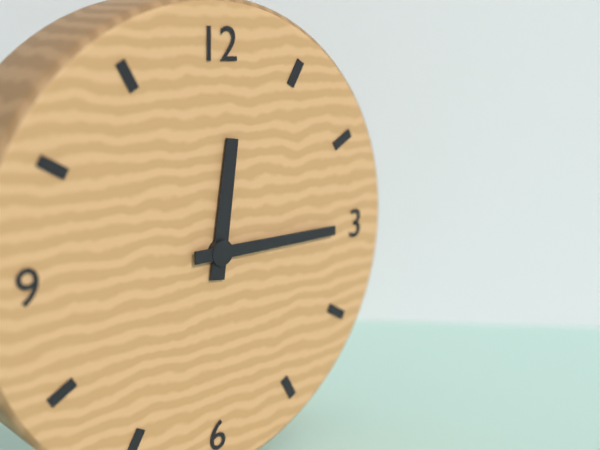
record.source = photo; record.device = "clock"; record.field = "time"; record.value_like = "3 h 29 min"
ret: 12 h 15 min
